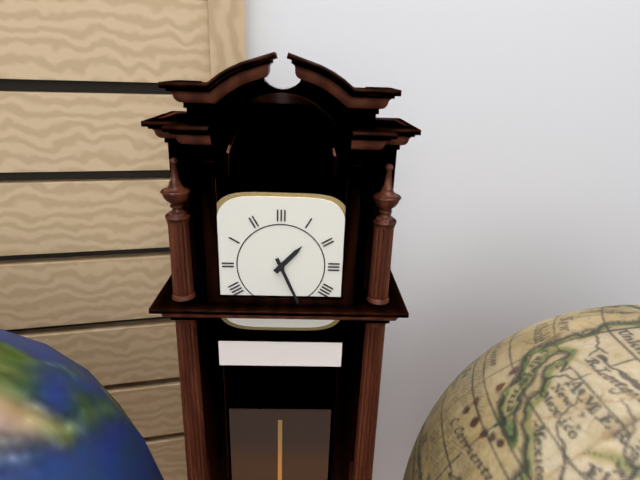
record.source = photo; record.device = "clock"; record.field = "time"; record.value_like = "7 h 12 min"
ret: 1 h 26 min
